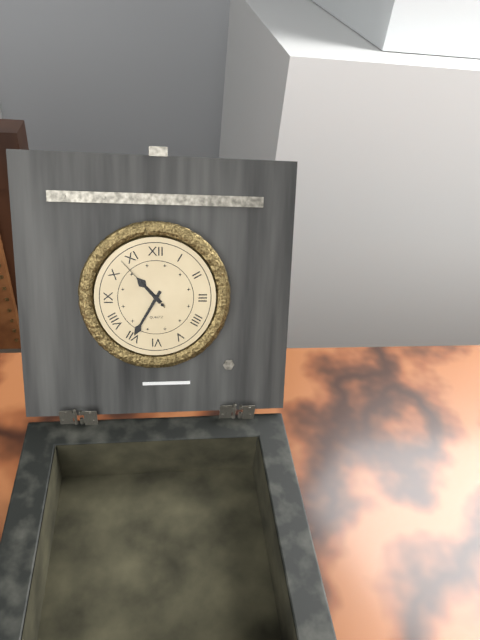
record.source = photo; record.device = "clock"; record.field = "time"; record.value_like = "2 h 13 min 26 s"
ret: 10 h 35 min 53 s
